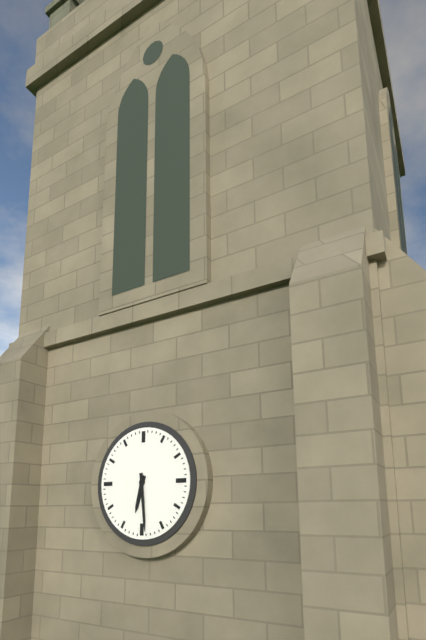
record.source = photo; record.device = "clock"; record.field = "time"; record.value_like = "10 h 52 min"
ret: 6 h 29 min
